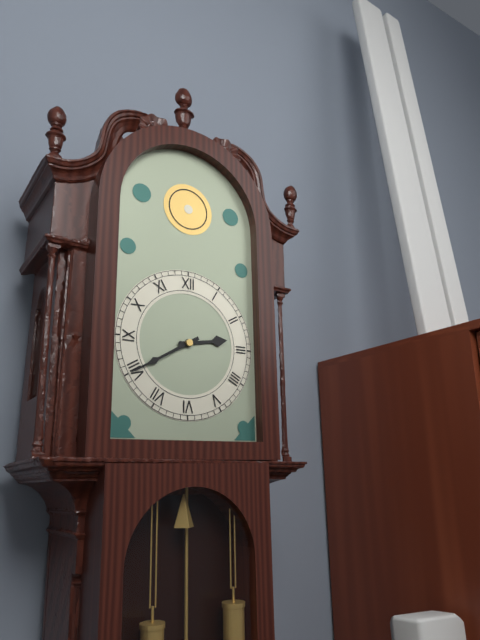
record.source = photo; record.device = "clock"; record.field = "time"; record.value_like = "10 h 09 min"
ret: 2 h 40 min
